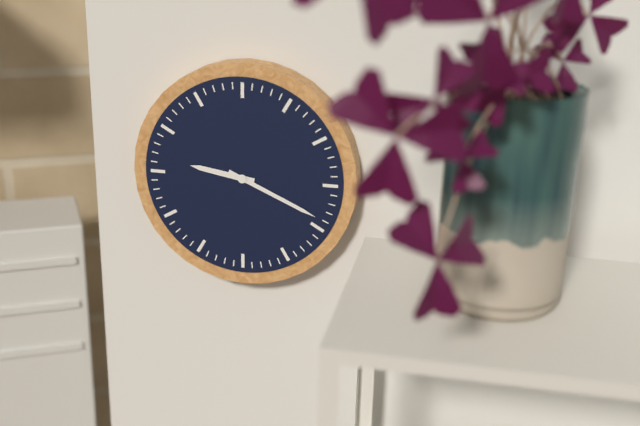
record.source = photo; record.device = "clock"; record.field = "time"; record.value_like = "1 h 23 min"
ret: 9 h 19 min
